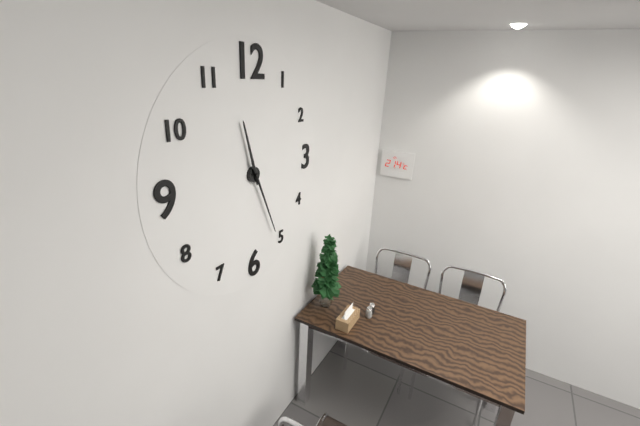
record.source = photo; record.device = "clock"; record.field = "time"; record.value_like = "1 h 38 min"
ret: 11 h 26 min
